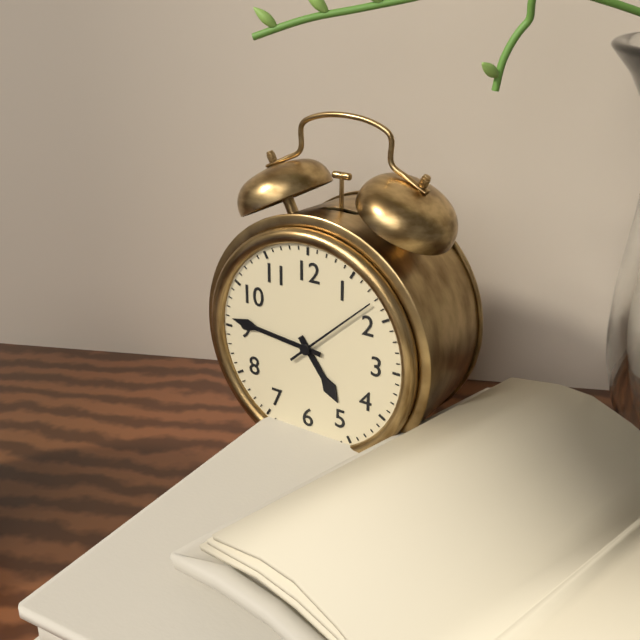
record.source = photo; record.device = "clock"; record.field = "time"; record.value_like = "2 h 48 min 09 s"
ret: 4 h 46 min 08 s
